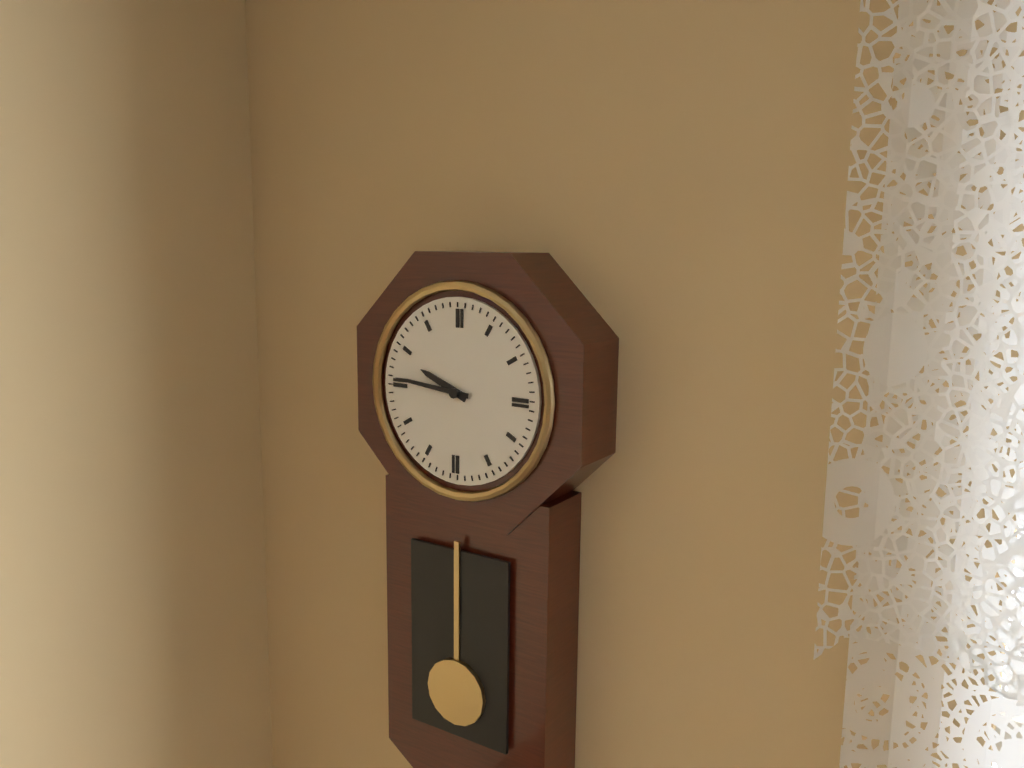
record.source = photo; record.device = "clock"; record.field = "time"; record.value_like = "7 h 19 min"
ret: 9 h 46 min
